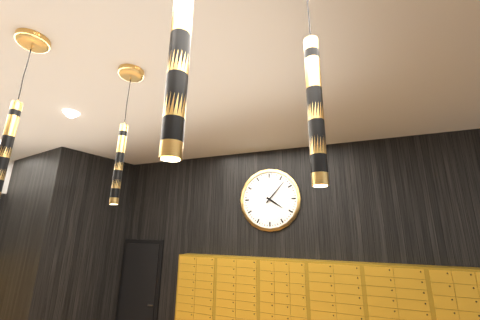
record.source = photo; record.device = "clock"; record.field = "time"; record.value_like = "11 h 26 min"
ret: 4 h 07 min
